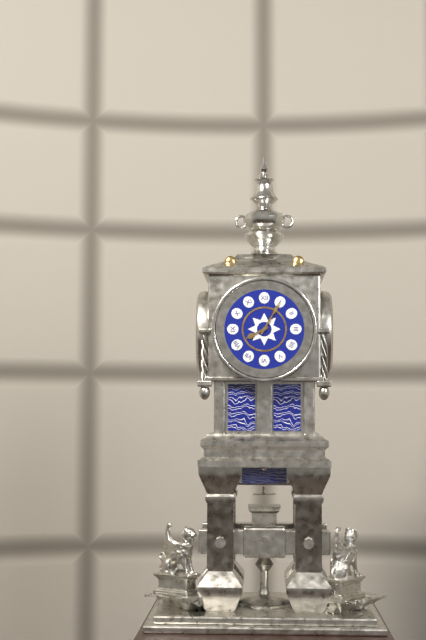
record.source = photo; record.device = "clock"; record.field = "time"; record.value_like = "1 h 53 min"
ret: 8 h 05 min
